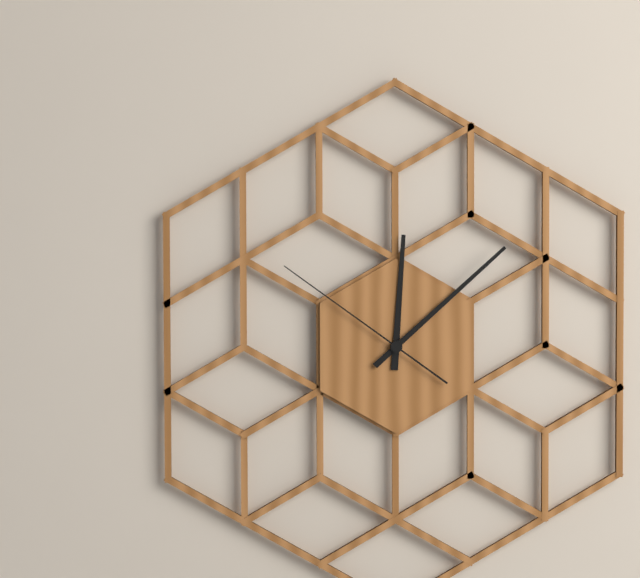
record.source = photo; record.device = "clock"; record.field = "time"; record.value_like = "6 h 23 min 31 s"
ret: 12 h 08 min 51 s
